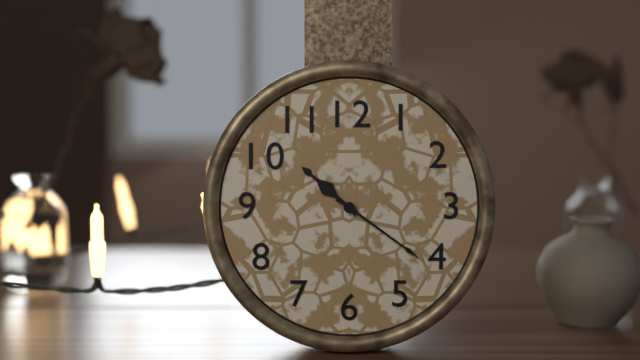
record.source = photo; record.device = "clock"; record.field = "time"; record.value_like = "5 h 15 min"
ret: 10 h 21 min
